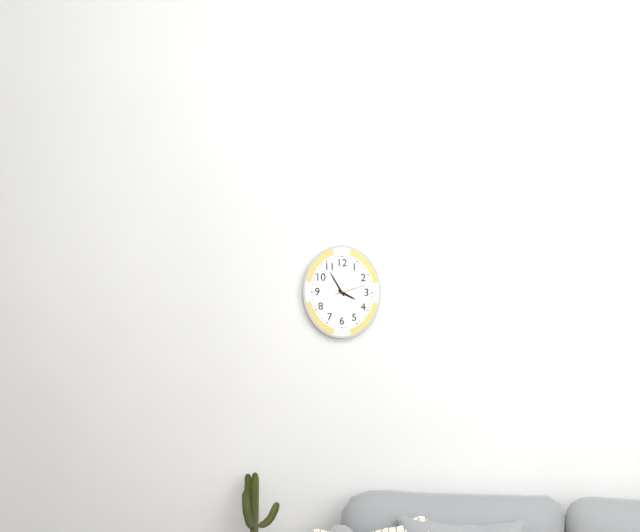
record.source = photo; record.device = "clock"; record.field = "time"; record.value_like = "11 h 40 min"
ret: 3 h 55 min
